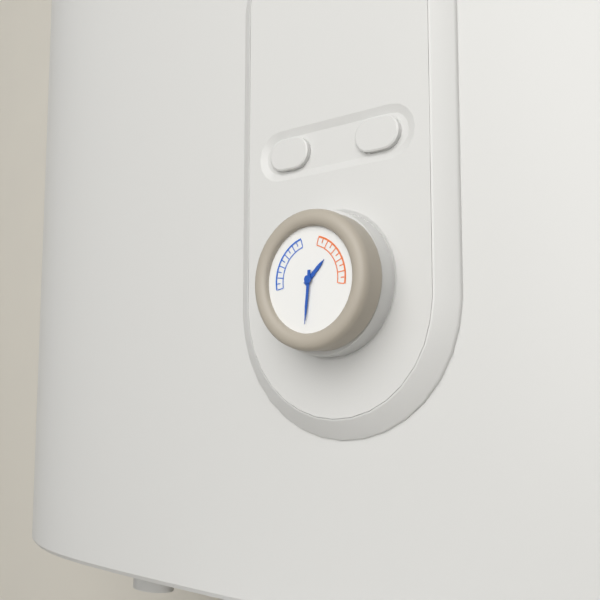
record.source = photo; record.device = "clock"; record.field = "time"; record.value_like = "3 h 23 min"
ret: 1 h 31 min
